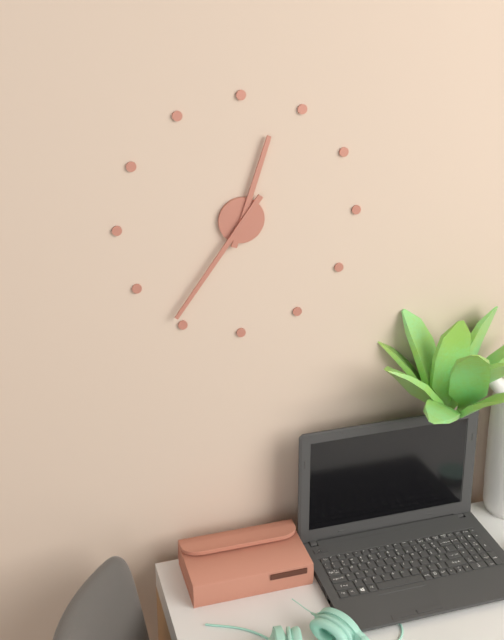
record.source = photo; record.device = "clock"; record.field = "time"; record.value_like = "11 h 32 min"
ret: 12 h 36 min
